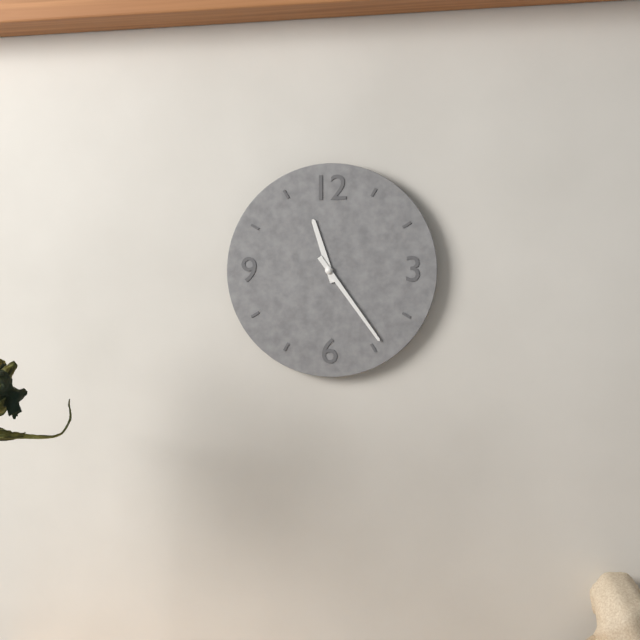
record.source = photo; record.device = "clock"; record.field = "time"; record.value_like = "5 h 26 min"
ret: 11 h 24 min
